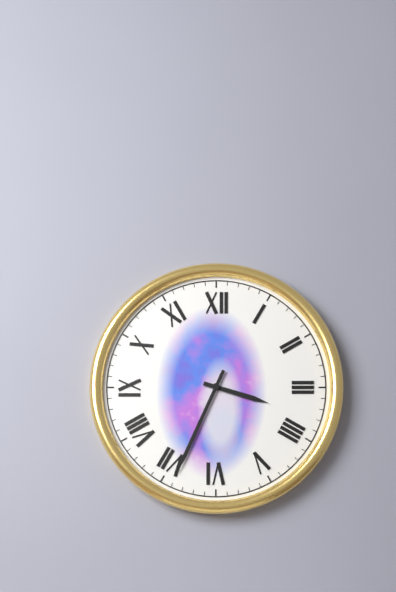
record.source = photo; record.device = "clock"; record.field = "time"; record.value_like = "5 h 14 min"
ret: 3 h 34 min
